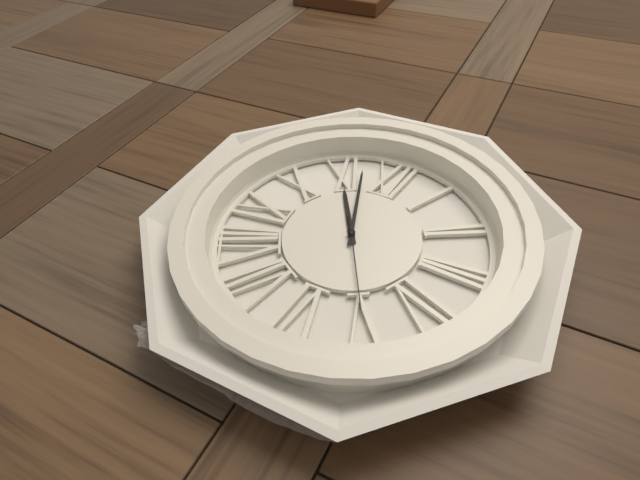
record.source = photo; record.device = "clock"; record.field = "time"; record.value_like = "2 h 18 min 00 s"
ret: 10 h 57 min 25 s
